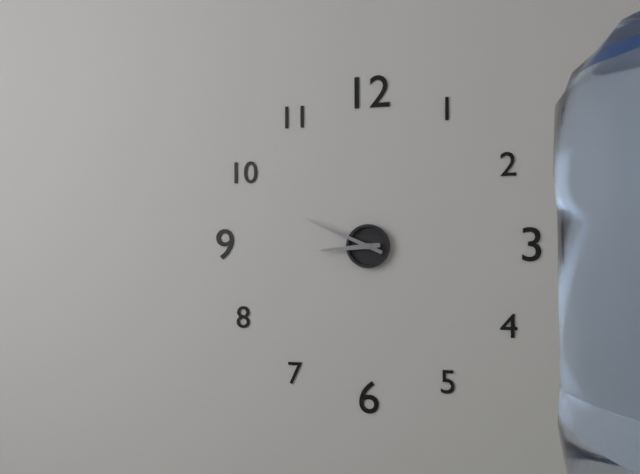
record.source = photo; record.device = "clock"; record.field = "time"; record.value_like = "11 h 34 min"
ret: 8 h 49 min
